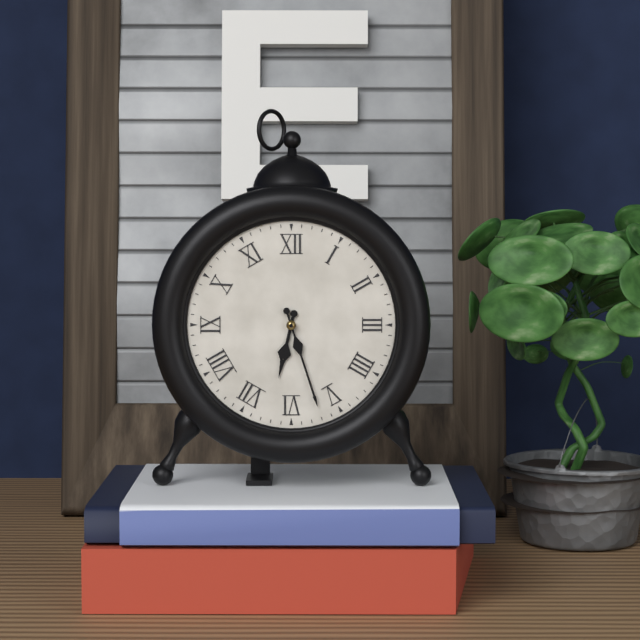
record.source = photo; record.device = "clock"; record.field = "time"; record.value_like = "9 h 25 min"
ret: 6 h 27 min
